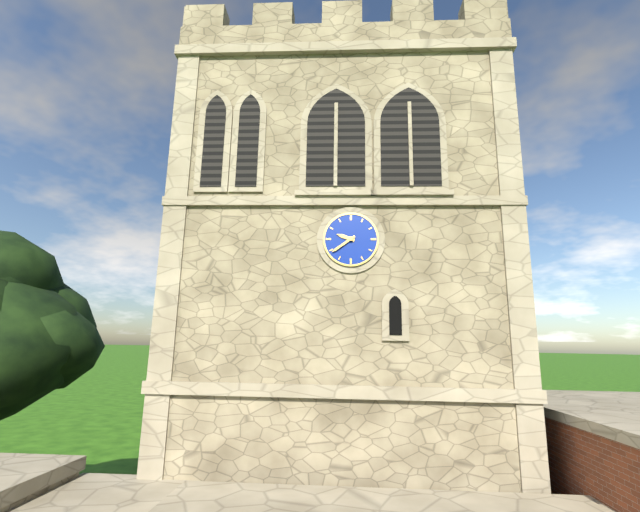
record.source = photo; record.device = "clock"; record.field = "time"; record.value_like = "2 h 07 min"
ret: 9 h 39 min
